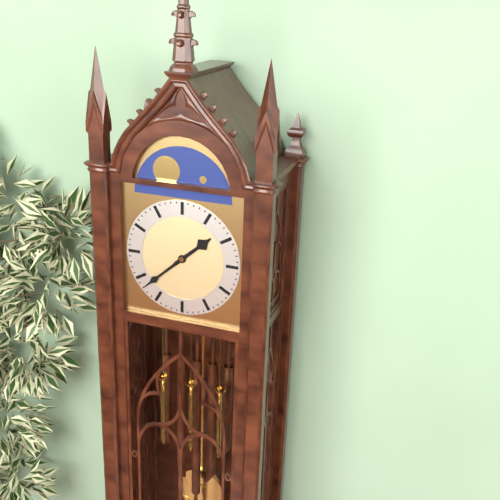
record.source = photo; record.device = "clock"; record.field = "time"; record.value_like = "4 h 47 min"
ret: 1 h 38 min
